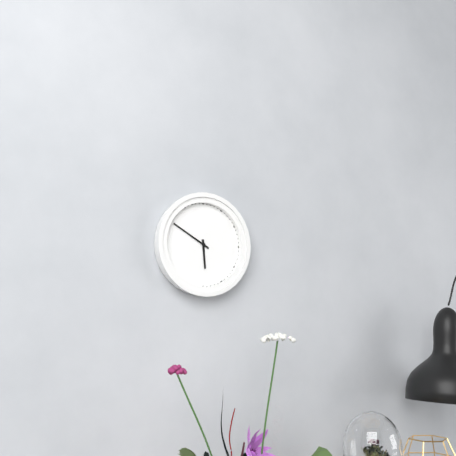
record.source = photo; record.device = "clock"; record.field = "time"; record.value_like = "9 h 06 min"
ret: 5 h 50 min
